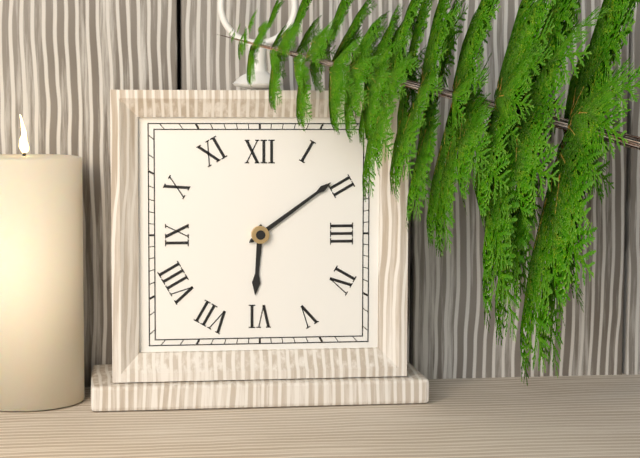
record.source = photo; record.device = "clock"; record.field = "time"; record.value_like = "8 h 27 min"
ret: 6 h 09 min
